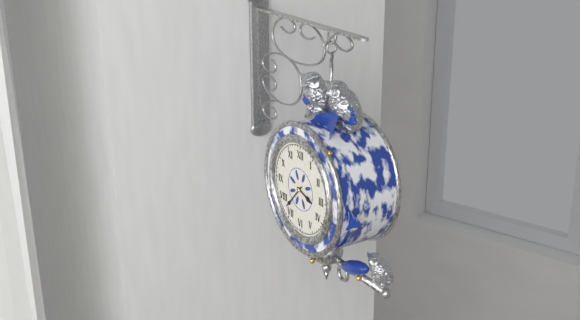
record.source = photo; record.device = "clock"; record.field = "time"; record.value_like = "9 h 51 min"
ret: 3 h 37 min
